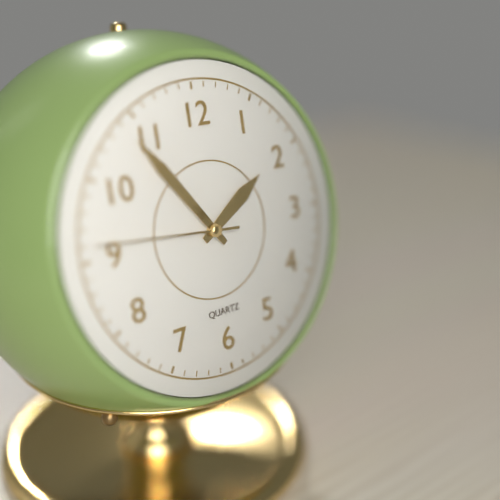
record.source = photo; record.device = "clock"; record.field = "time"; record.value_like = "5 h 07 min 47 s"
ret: 1 h 54 min 46 s
